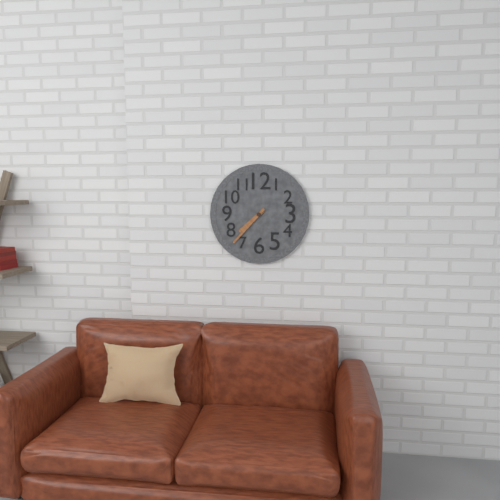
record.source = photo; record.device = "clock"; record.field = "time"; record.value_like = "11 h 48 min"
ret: 7 h 37 min
